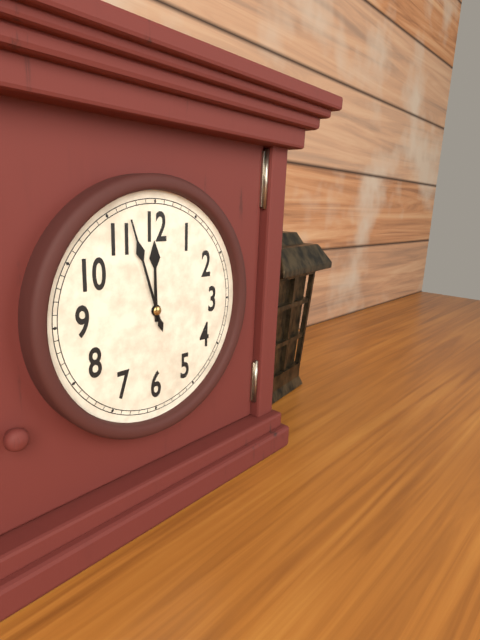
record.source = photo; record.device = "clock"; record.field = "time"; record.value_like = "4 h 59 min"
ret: 11 h 57 min
